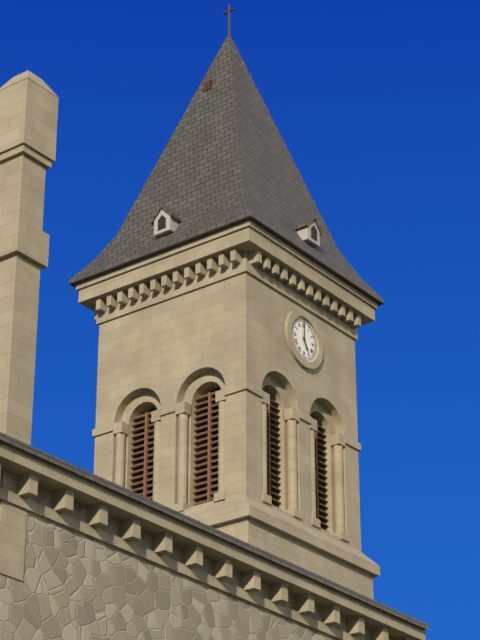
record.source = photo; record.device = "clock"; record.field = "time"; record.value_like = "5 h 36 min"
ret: 5 h 00 min
